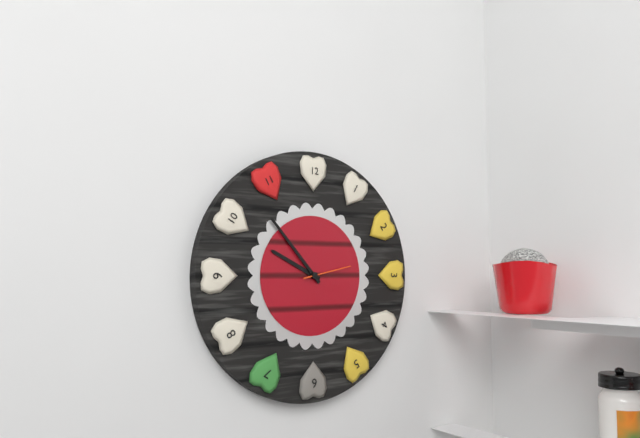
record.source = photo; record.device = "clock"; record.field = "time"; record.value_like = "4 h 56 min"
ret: 9 h 53 min
